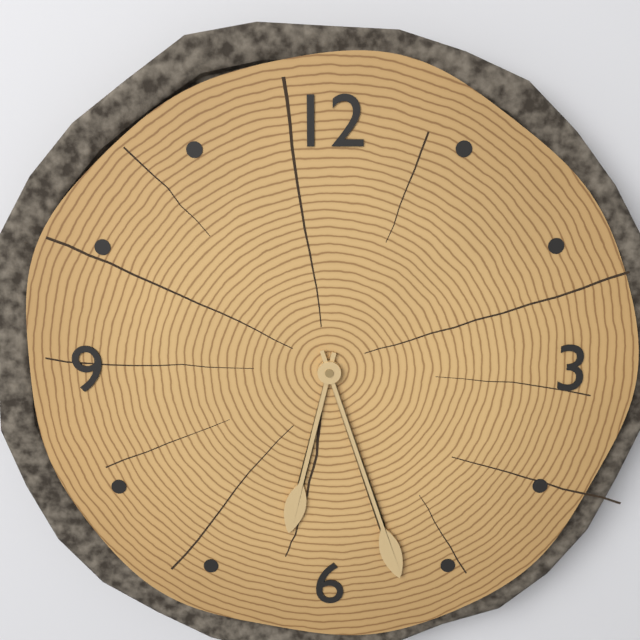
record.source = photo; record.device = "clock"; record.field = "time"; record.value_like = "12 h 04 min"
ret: 6 h 27 min
